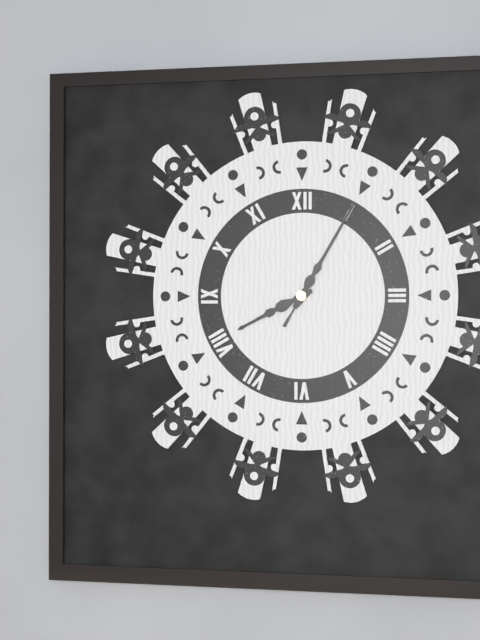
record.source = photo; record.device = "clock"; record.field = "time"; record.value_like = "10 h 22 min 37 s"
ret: 8 h 05 min 05 s
